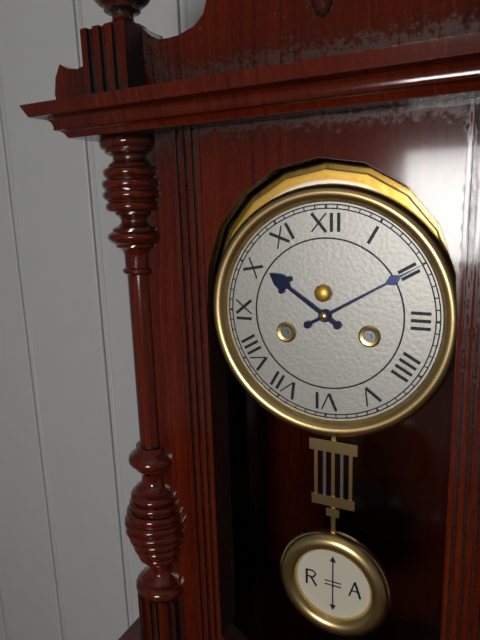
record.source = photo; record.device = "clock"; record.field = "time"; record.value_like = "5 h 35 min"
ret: 10 h 10 min
